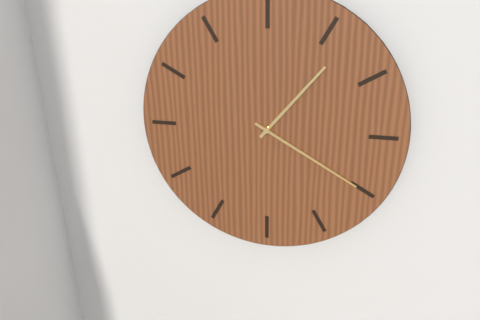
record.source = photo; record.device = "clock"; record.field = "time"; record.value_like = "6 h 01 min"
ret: 1 h 20 min
